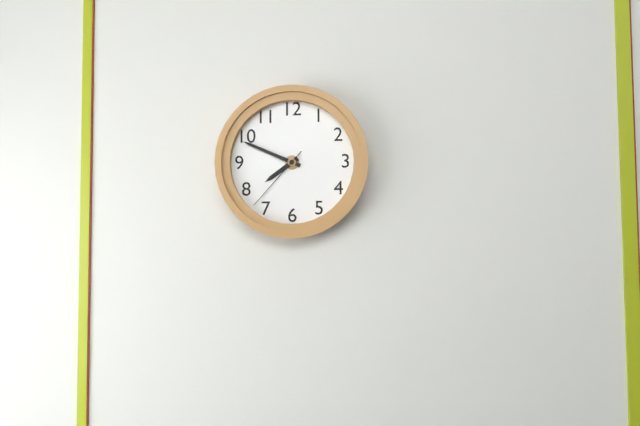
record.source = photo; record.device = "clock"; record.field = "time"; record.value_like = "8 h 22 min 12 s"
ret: 7 h 49 min 37 s
